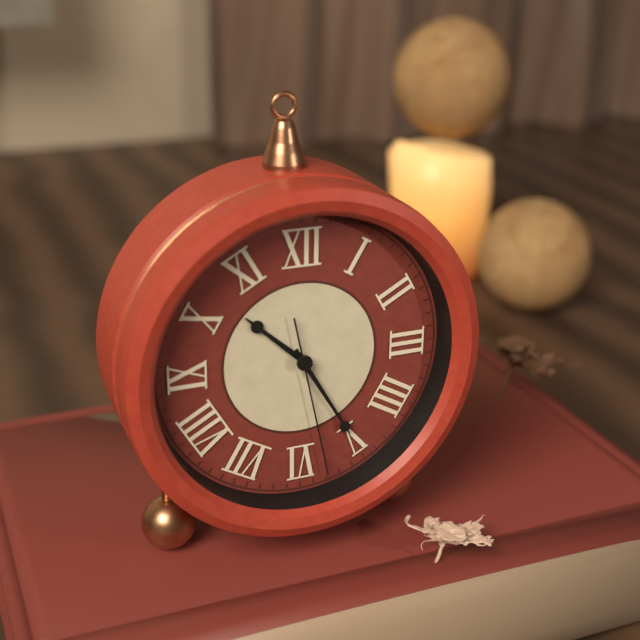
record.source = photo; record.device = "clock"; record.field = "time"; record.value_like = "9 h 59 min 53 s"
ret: 10 h 25 min 28 s
